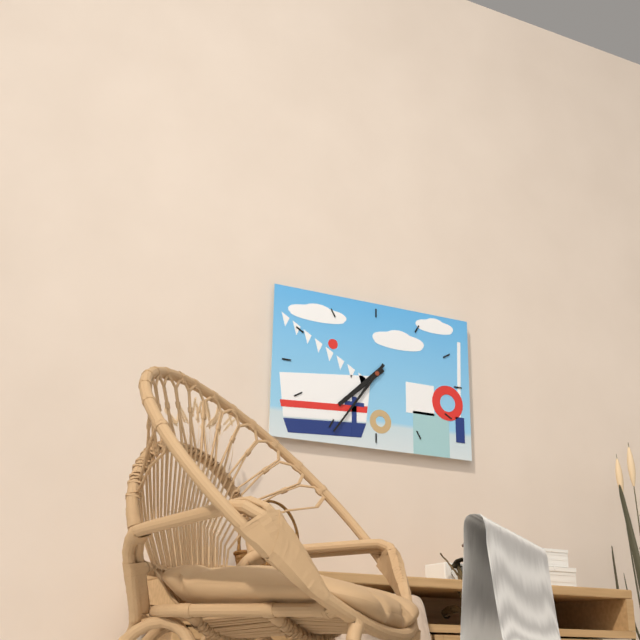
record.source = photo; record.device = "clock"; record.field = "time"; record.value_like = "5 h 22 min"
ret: 7 h 36 min
